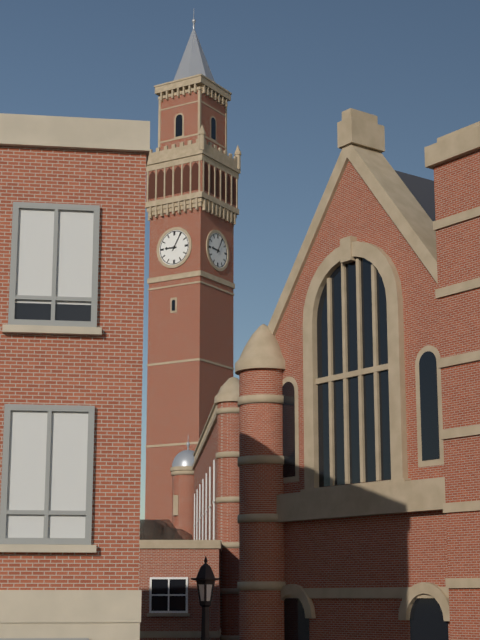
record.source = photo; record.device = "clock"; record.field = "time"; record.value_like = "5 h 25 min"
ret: 9 h 05 min
